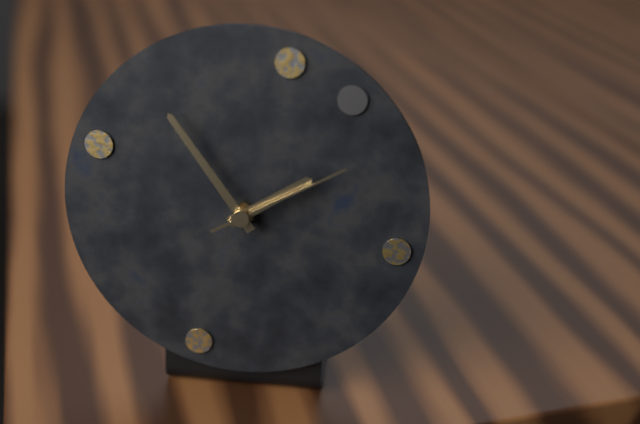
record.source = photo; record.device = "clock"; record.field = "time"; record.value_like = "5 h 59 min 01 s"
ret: 1 h 54 min 10 s
